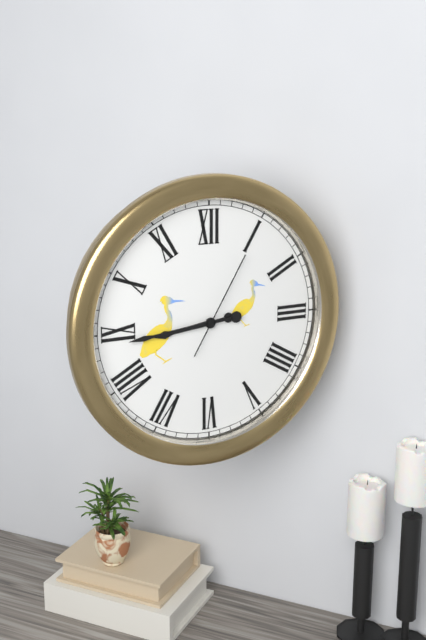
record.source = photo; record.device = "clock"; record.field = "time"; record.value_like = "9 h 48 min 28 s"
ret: 8 h 44 min 05 s
